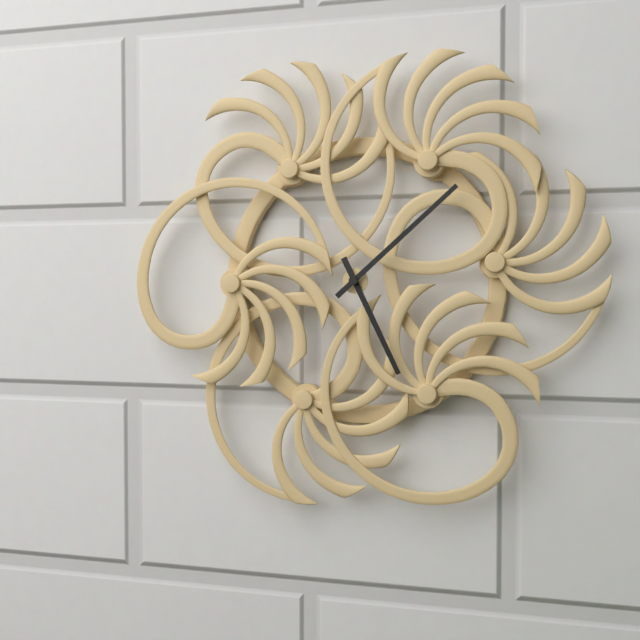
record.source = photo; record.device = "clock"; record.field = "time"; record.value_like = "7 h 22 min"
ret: 5 h 08 min
